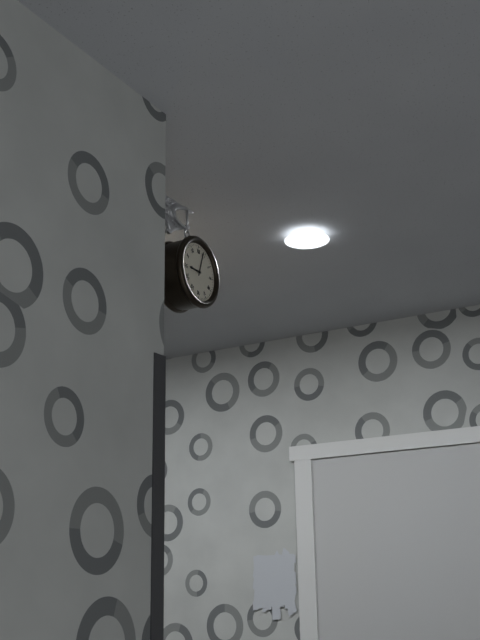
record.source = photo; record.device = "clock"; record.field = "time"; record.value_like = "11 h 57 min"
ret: 9 h 03 min
